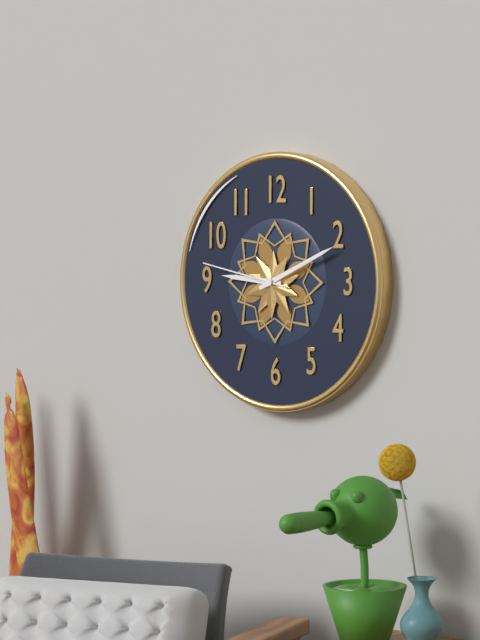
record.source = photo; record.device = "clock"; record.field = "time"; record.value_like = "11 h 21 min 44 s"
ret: 9 h 11 min 47 s
